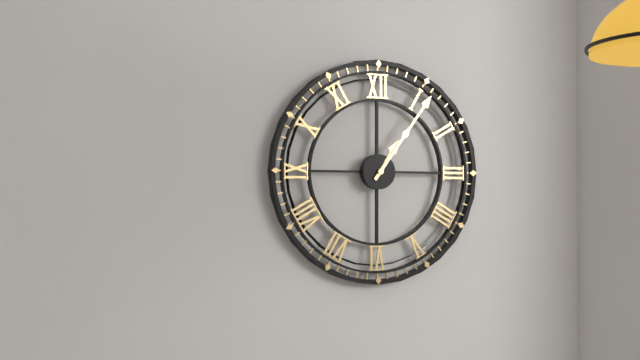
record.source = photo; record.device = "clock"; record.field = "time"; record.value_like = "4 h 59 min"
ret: 1 h 06 min
